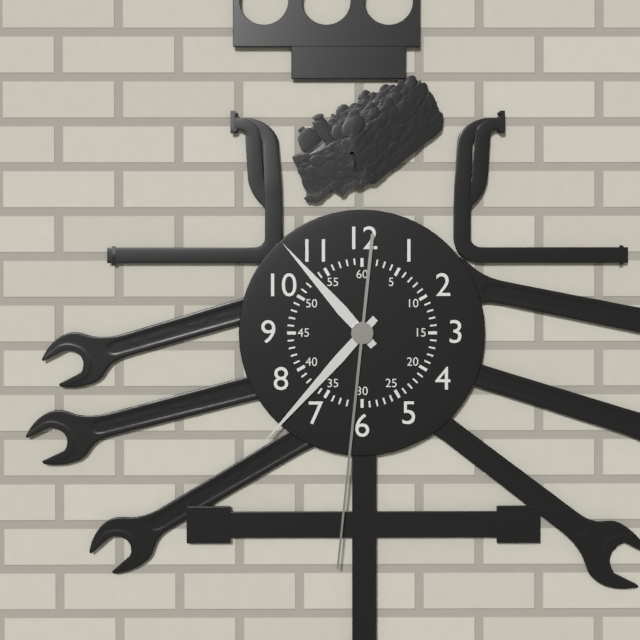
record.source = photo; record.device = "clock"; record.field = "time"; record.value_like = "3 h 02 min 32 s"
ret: 10 h 37 min 31 s
